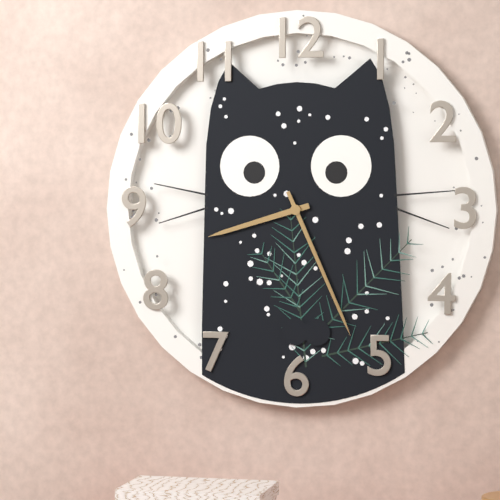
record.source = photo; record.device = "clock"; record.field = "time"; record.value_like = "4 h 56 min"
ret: 8 h 26 min
